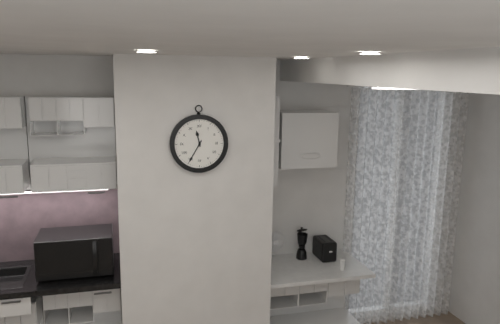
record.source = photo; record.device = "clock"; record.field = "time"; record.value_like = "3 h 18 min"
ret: 11 h 35 min
